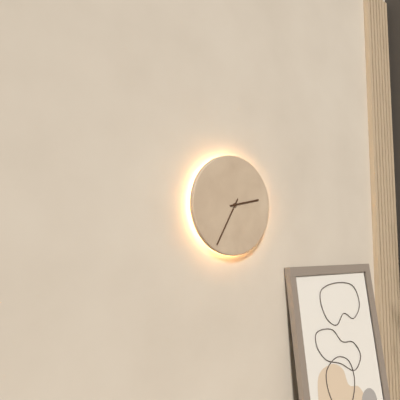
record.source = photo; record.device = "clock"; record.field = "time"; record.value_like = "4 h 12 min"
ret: 2 h 35 min
